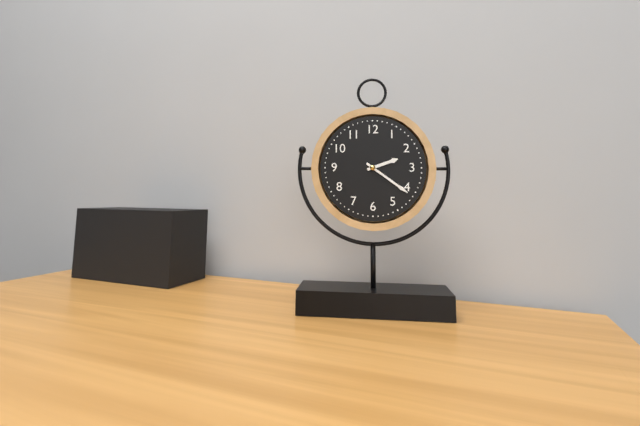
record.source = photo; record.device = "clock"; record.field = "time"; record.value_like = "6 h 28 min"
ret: 2 h 21 min
